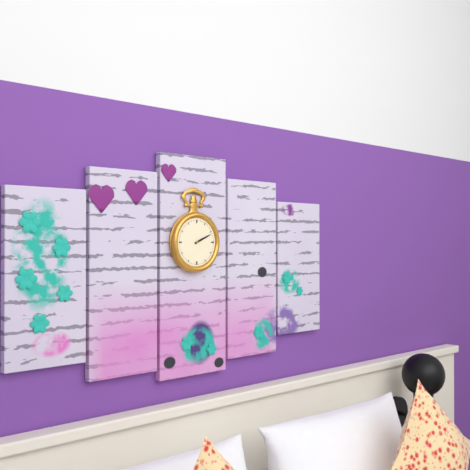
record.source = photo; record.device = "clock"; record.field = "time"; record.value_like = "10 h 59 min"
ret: 2 h 11 min
